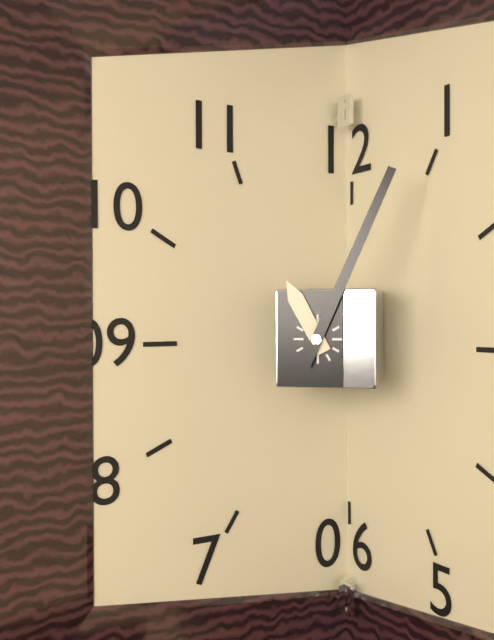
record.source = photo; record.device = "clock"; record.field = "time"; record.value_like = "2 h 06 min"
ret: 11 h 04 min
